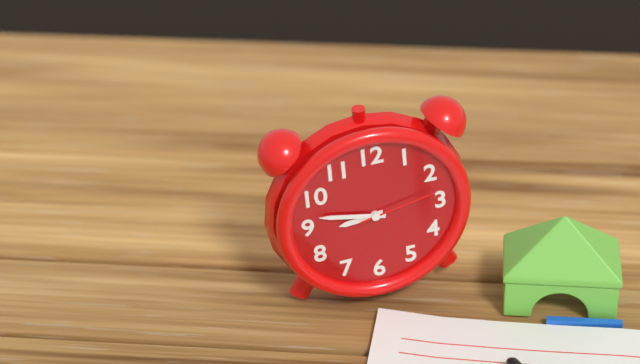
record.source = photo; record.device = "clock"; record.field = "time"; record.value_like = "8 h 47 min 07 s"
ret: 8 h 47 min 13 s
